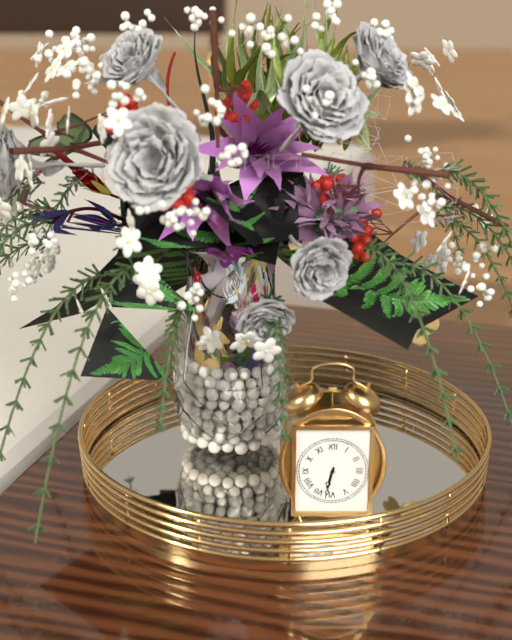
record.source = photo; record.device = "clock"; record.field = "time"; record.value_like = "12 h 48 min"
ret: 6 h 32 min
